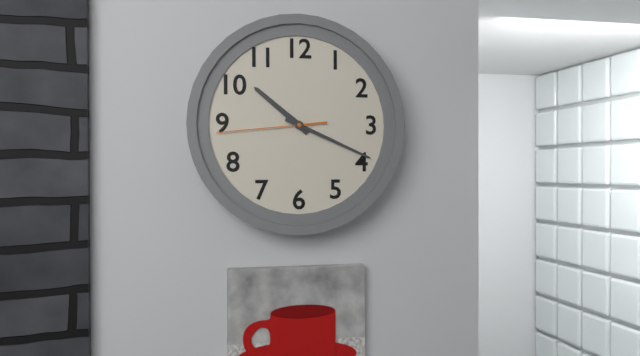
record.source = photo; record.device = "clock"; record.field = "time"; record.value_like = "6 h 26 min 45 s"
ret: 10 h 19 min 44 s
